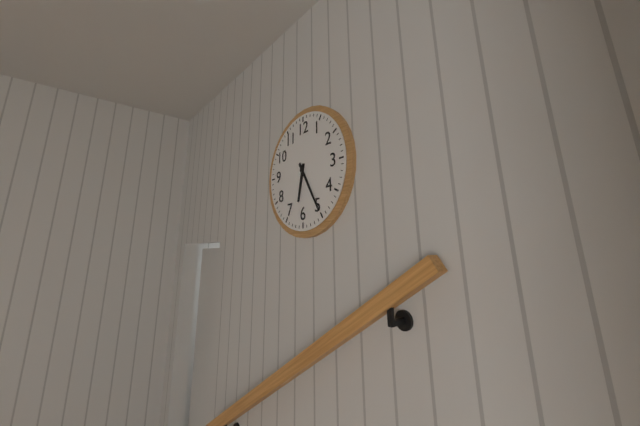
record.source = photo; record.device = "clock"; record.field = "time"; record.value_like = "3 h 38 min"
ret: 6 h 25 min
